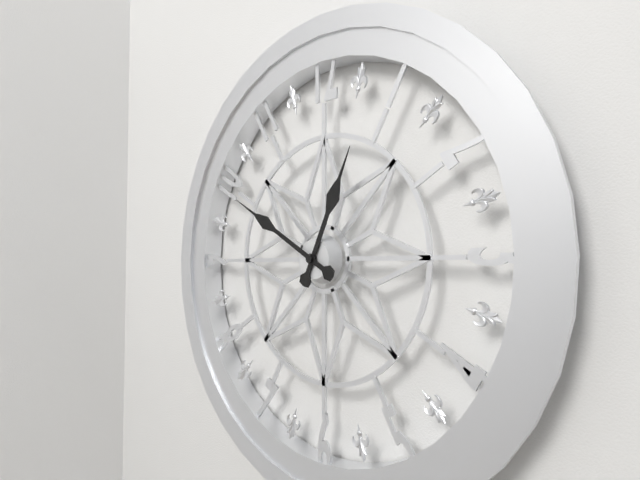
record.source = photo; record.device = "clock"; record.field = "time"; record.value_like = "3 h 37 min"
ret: 12 h 50 min
